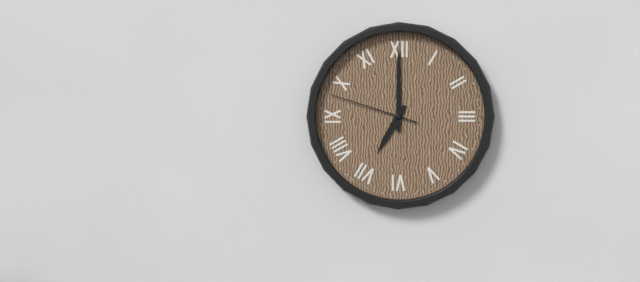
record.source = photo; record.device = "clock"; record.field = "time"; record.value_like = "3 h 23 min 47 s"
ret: 7 h 00 min 48 s
